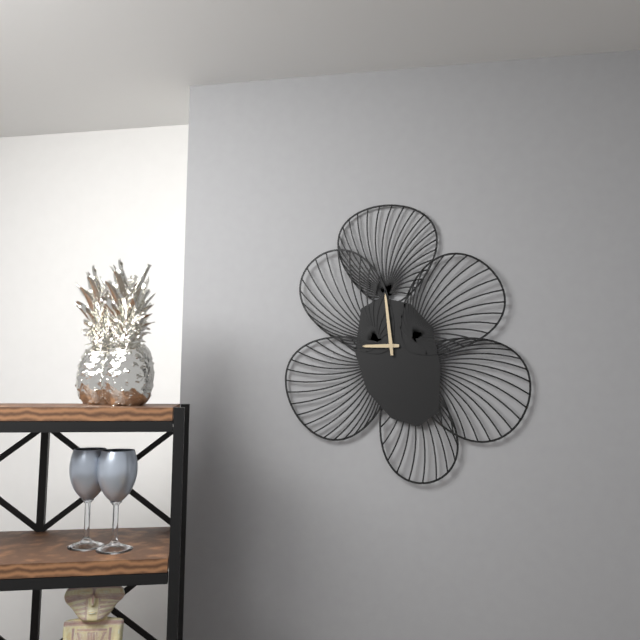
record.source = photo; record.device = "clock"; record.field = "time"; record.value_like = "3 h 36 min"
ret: 8 h 59 min
